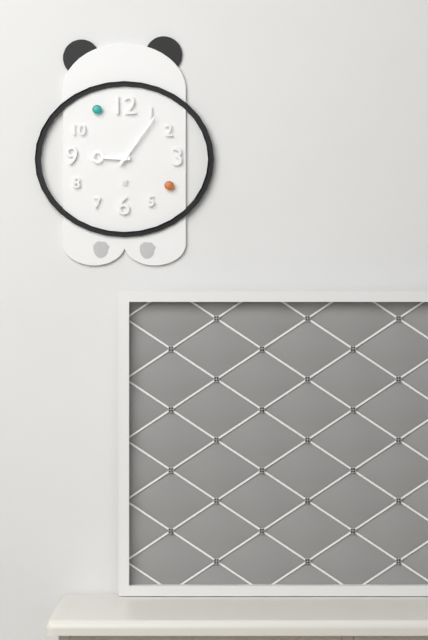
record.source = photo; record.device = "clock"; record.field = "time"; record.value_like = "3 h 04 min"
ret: 9 h 06 min
